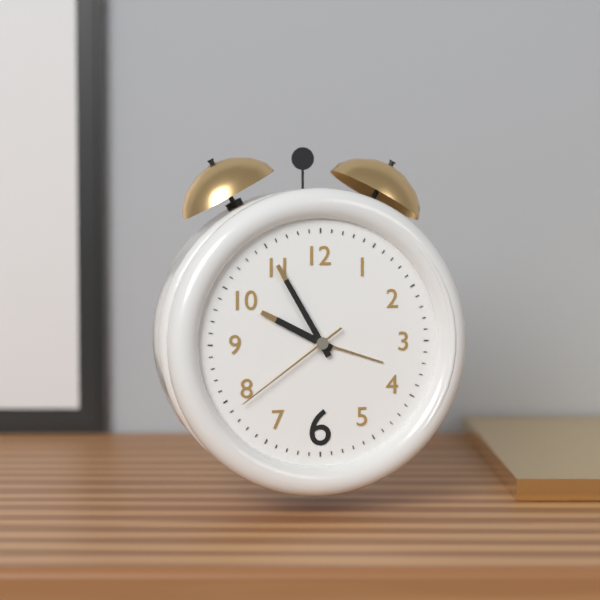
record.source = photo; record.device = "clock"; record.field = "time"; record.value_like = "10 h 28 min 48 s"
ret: 9 h 55 min 39 s
